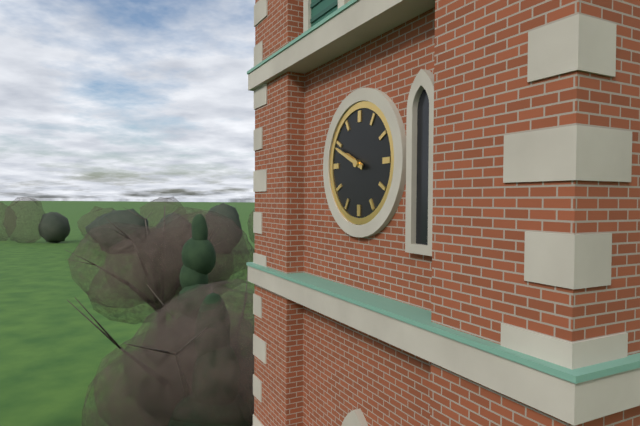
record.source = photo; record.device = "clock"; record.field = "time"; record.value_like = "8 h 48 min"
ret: 9 h 49 min
